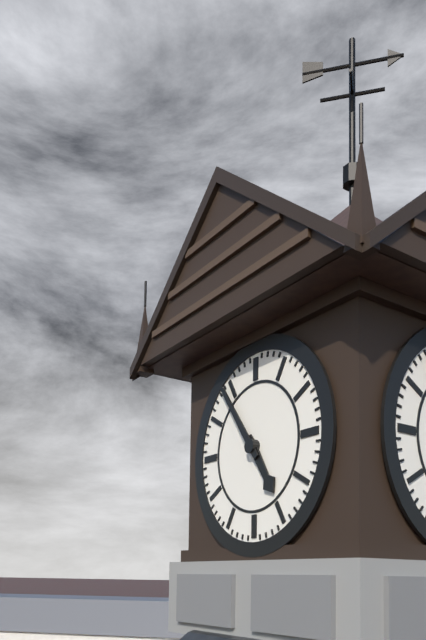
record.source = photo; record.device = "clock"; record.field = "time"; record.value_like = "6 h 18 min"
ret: 4 h 54 min
